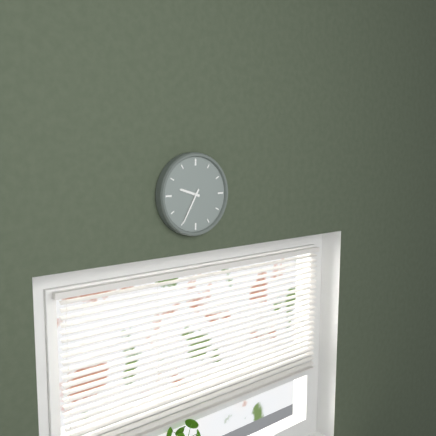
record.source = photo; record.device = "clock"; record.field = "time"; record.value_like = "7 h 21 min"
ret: 9 h 35 min
